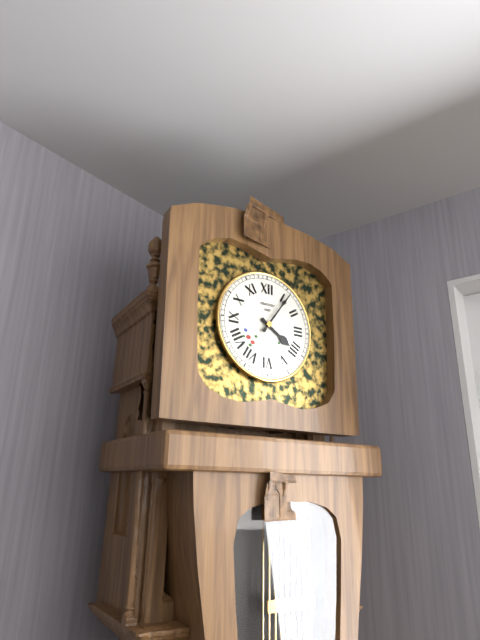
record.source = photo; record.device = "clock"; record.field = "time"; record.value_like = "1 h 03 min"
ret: 4 h 06 min
